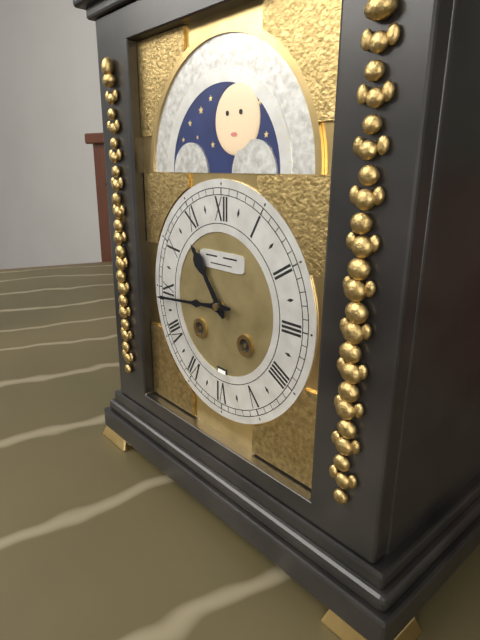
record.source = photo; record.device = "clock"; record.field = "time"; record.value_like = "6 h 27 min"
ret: 10 h 44 min
